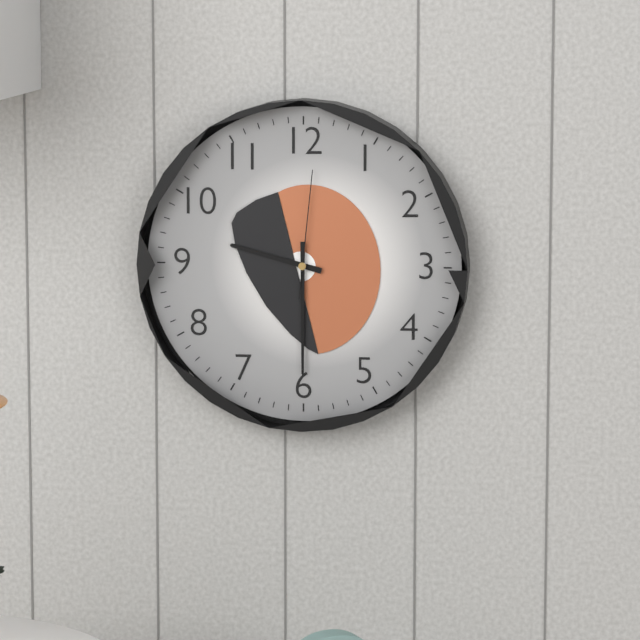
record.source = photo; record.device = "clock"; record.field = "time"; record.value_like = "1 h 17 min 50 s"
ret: 9 h 30 min 01 s
